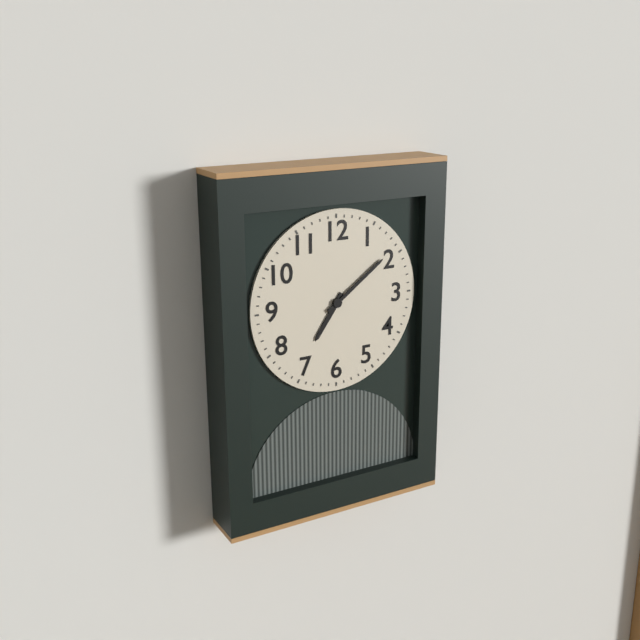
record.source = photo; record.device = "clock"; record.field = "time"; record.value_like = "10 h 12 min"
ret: 7 h 09 min
